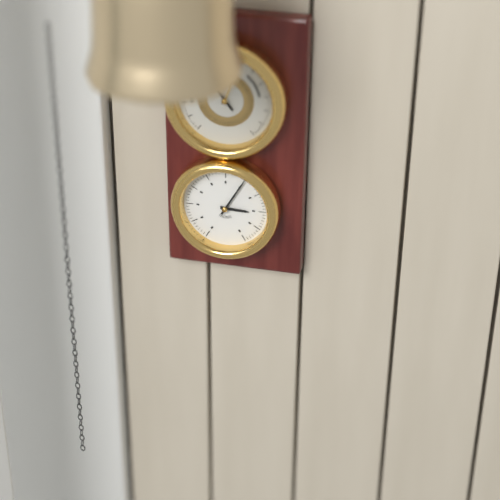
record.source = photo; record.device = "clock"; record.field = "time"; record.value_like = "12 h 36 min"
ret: 3 h 05 min
